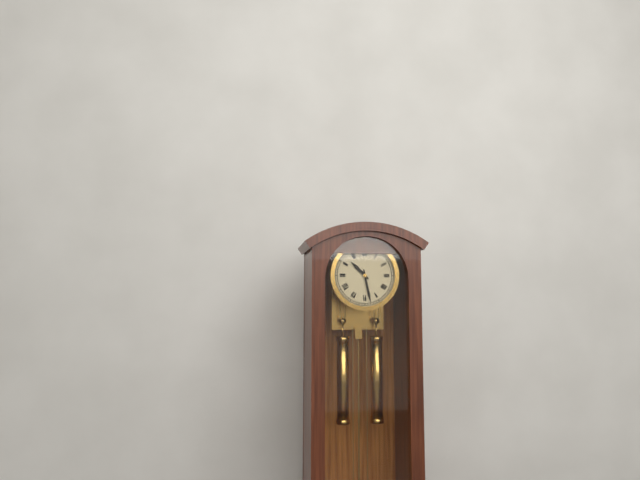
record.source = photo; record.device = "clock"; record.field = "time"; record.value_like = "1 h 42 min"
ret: 10 h 28 min
